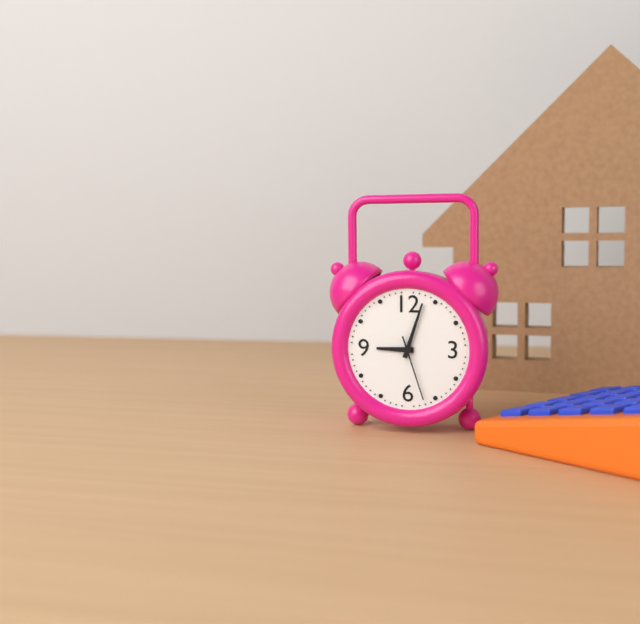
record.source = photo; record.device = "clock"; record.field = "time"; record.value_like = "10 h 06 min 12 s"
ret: 9 h 03 min 27 s
